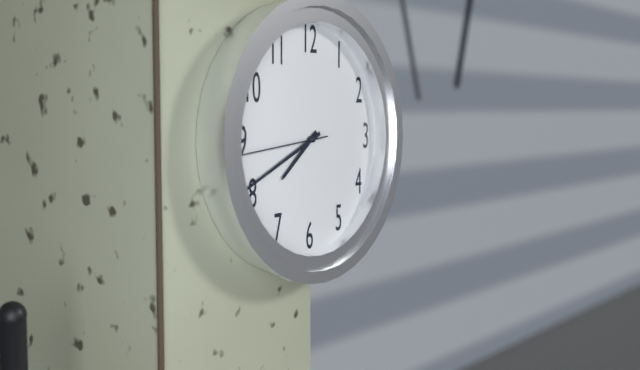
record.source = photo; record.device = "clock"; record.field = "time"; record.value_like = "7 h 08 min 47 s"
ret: 7 h 41 min 44 s
